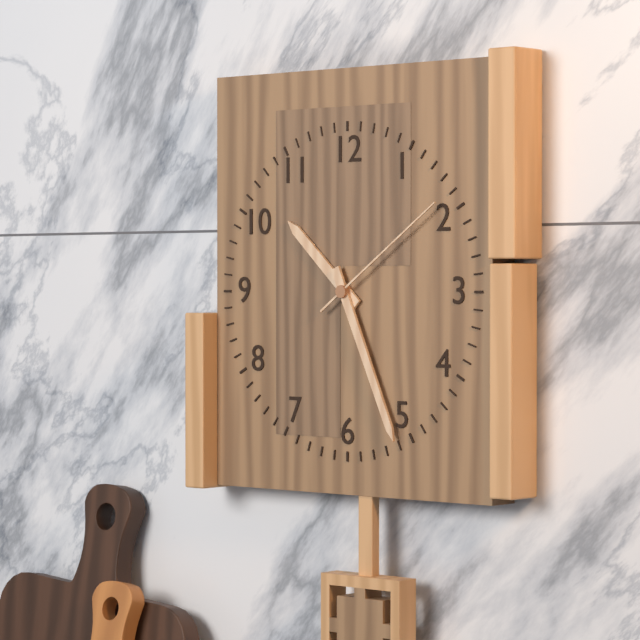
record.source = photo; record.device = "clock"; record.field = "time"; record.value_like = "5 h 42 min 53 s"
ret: 10 h 26 min 09 s
